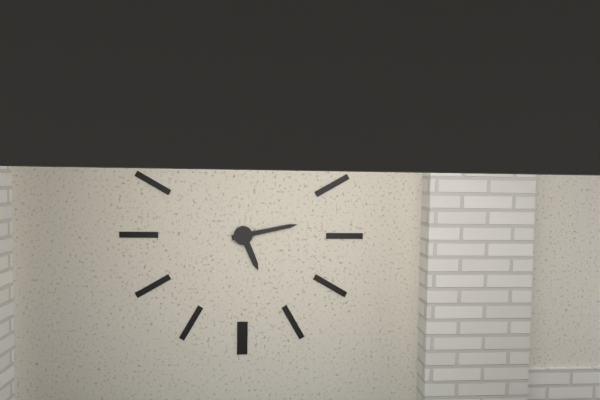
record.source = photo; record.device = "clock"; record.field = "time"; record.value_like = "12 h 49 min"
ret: 5 h 13 min
